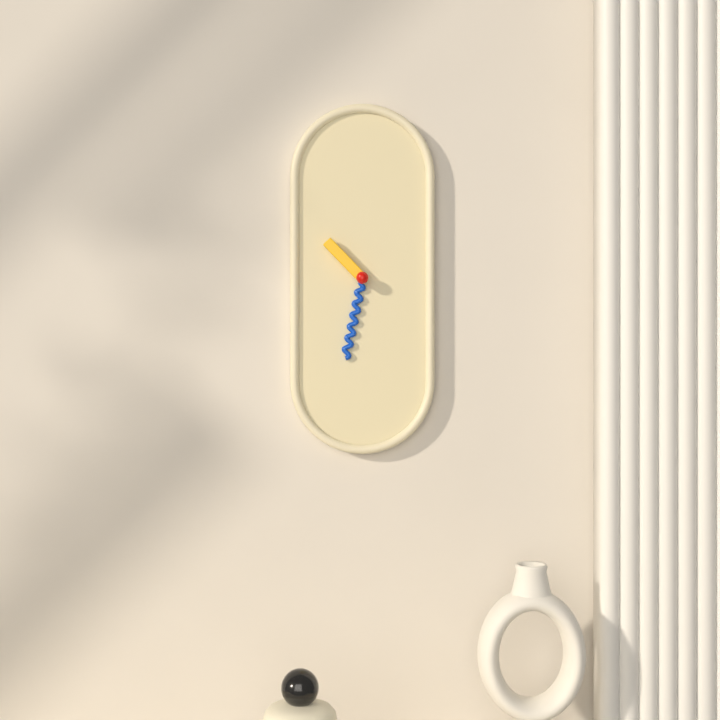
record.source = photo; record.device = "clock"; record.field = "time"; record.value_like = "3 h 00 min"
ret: 10 h 32 min
